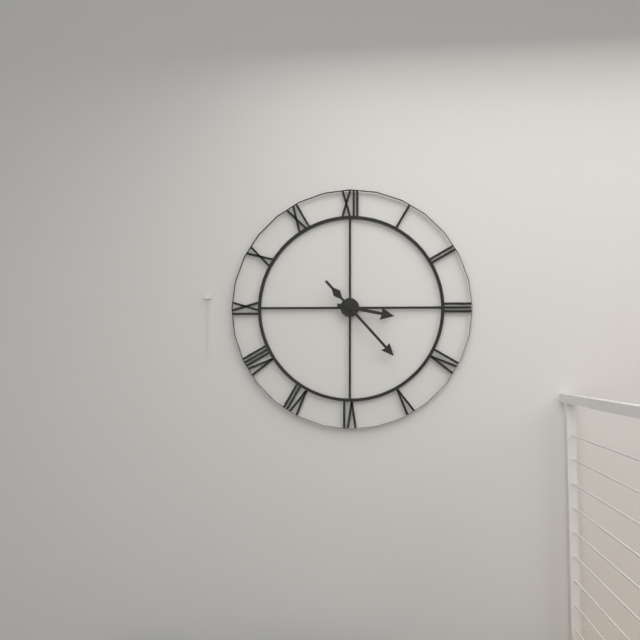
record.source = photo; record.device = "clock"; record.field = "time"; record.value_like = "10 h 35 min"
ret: 3 h 23 min
